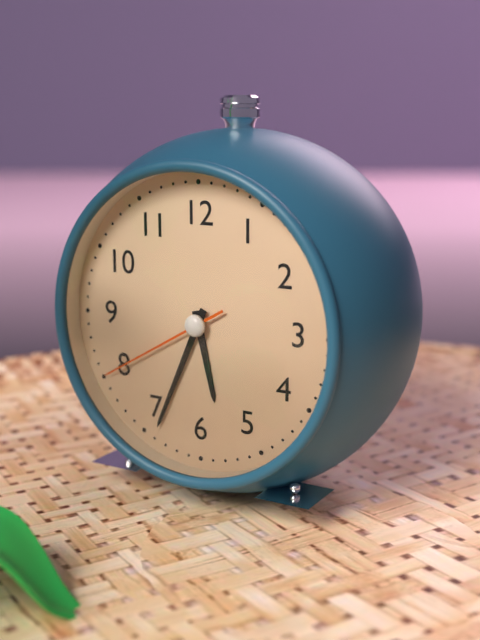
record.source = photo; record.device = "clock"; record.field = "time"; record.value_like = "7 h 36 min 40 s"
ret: 5 h 34 min 40 s
